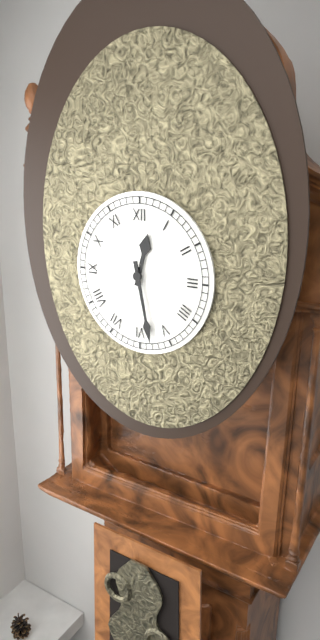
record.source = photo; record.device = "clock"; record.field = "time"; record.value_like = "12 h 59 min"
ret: 12 h 28 min
